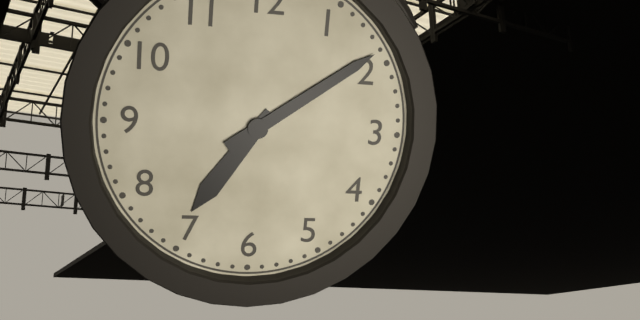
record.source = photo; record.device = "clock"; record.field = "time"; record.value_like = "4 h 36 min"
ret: 7 h 09 min
